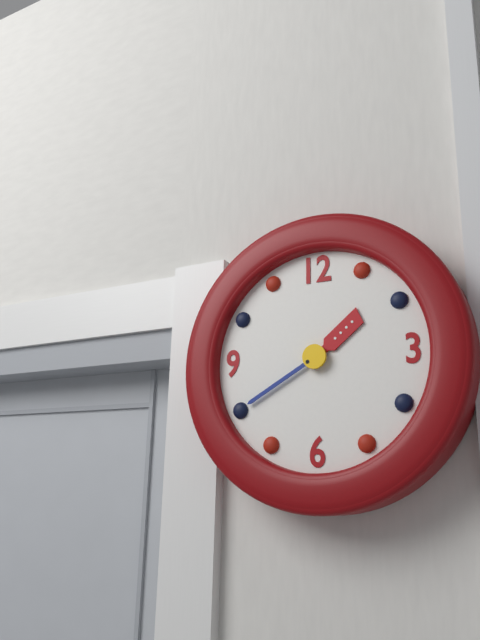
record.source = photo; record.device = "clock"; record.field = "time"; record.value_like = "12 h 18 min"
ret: 1 h 40 min
